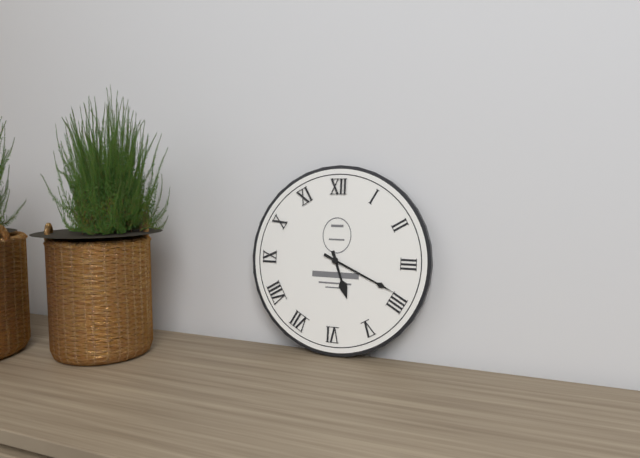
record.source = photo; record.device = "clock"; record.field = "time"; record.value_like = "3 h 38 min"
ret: 5 h 19 min
